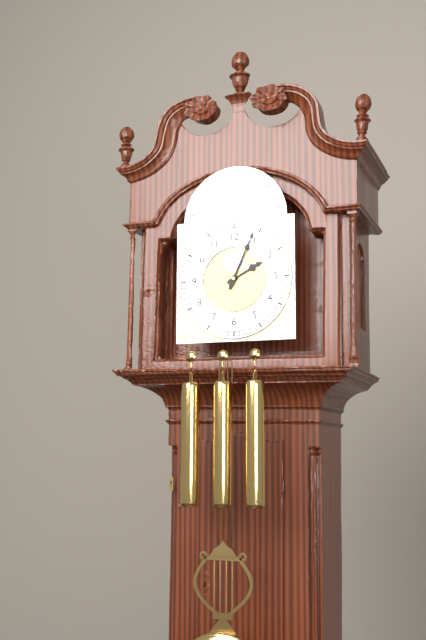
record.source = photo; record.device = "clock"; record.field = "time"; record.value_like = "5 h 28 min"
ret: 2 h 04 min
